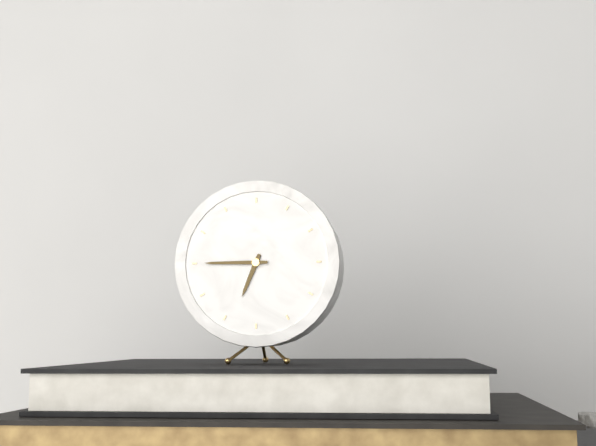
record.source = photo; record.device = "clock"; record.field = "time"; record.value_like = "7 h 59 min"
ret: 6 h 45 min
